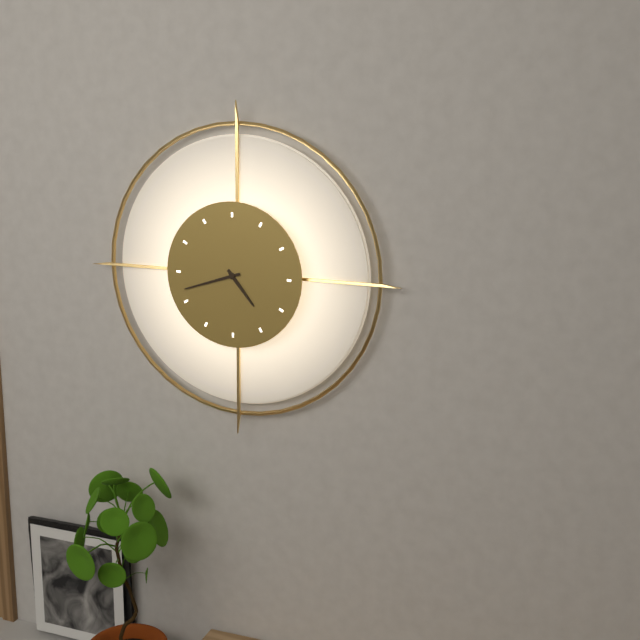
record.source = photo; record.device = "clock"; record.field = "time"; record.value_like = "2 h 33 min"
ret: 4 h 42 min
